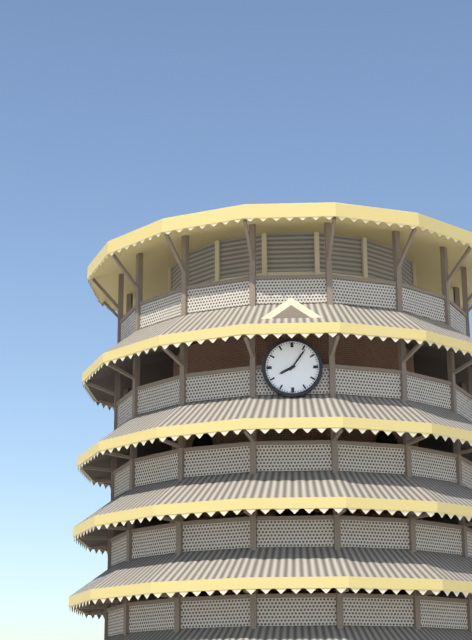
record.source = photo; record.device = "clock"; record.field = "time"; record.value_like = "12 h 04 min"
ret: 8 h 06 min
